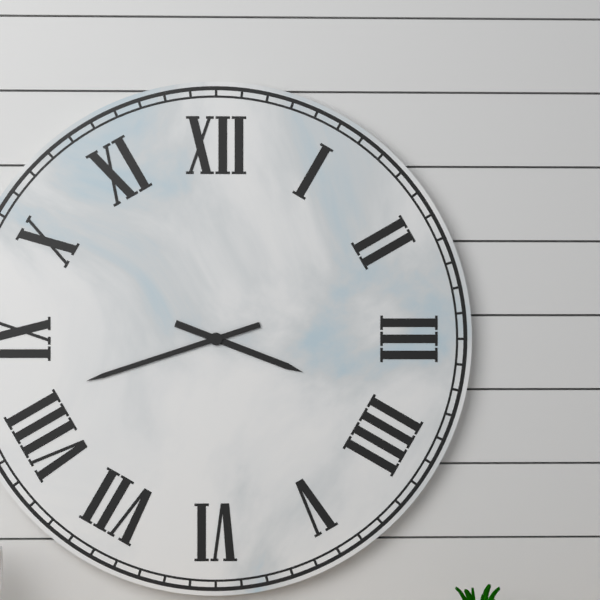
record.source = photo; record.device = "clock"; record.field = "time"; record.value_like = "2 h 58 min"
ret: 3 h 42 min
